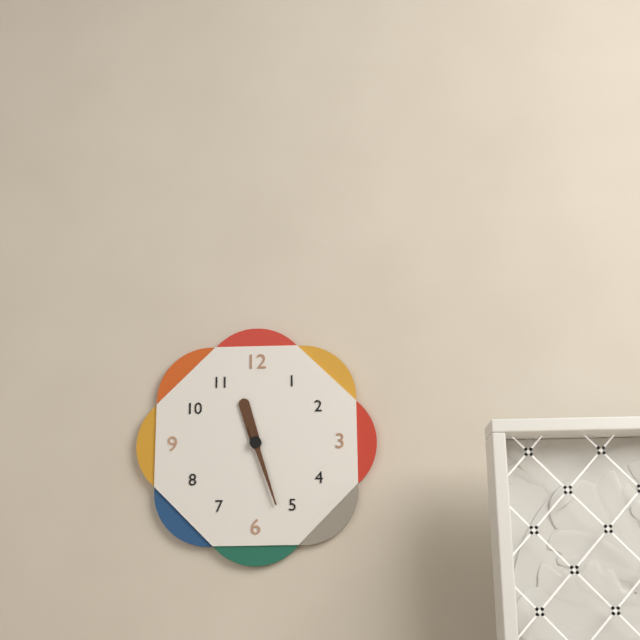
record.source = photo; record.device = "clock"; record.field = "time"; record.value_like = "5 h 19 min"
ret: 11 h 27 min
